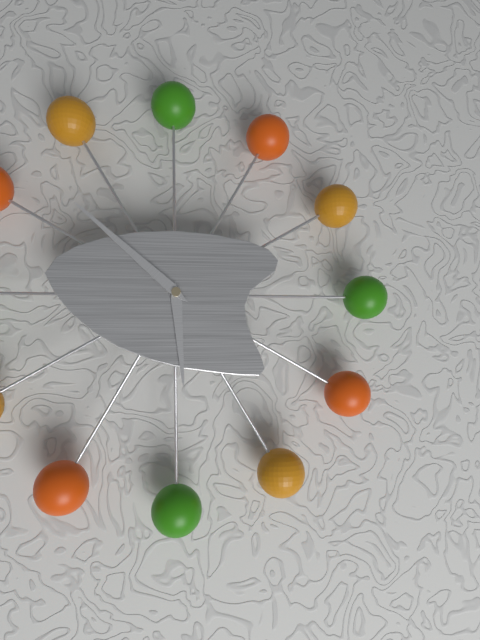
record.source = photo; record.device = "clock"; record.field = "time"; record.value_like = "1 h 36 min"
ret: 5 h 52 min
